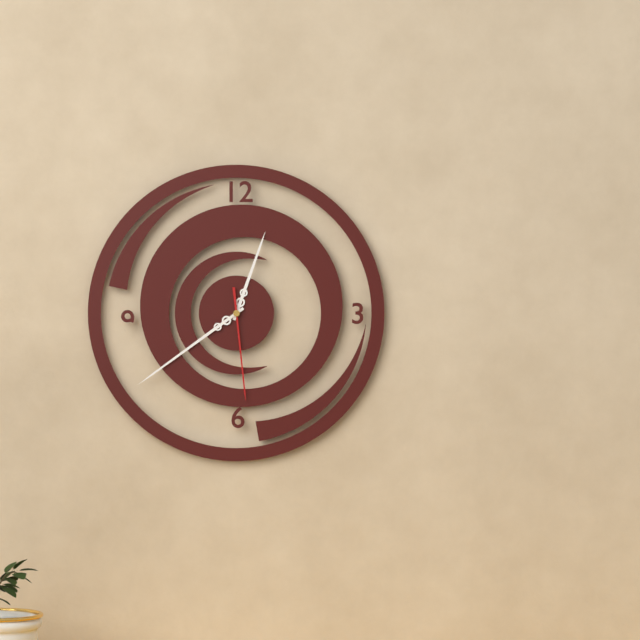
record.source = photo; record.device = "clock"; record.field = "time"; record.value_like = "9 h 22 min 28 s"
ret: 12 h 39 min 29 s
